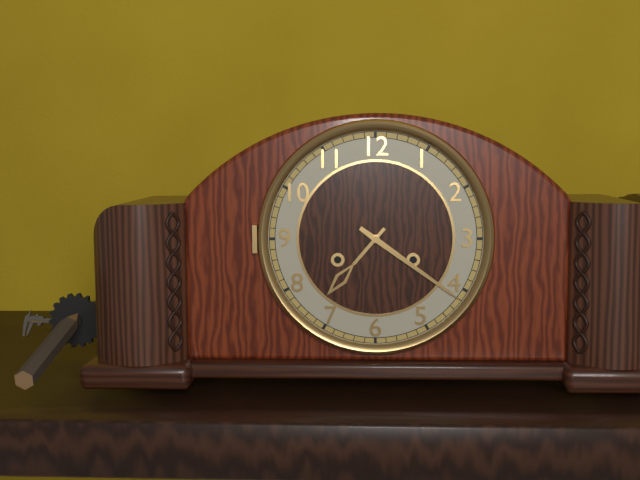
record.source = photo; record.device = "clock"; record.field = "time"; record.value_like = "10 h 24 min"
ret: 7 h 21 min
